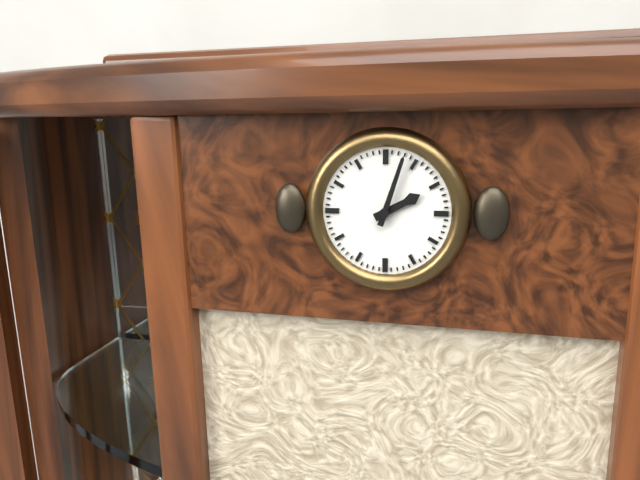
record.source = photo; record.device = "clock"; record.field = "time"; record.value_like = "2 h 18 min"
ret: 2 h 03 min
